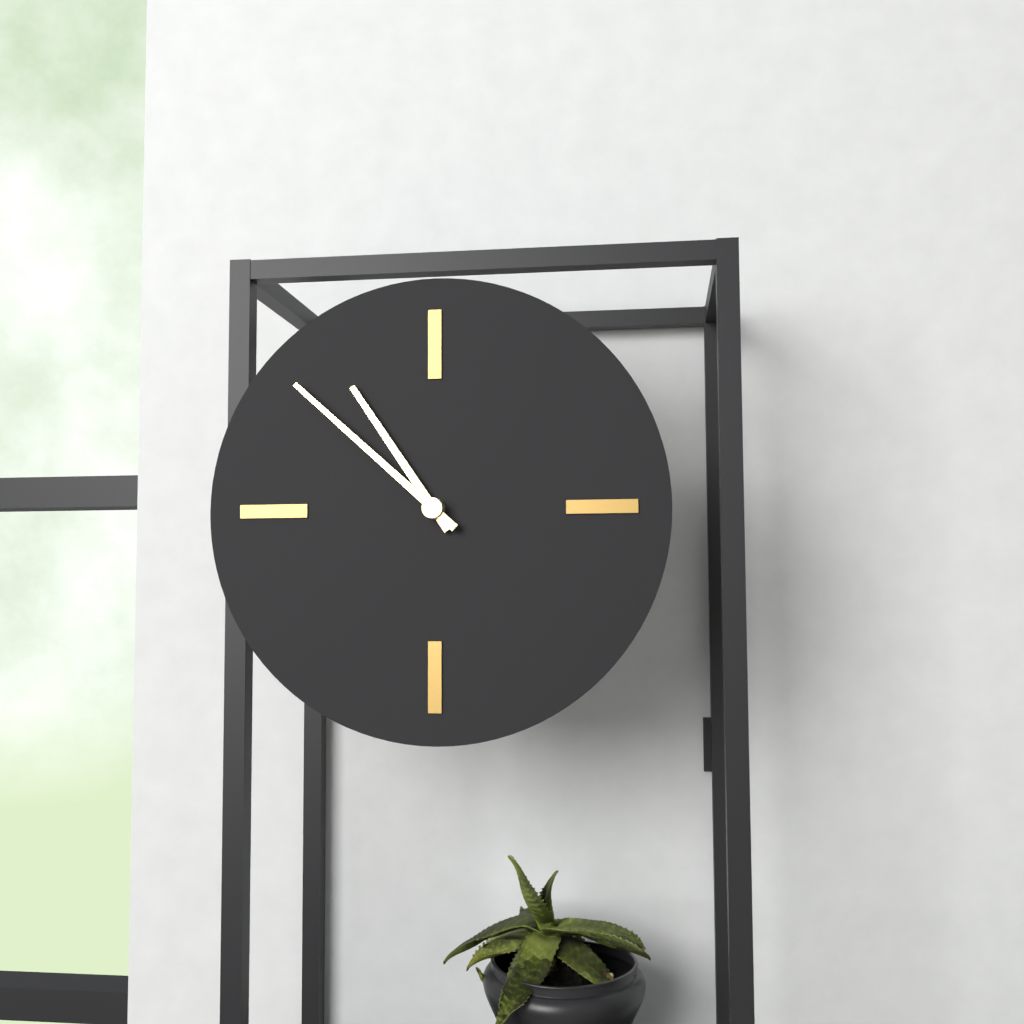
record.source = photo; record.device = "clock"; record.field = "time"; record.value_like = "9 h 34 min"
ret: 10 h 52 min
